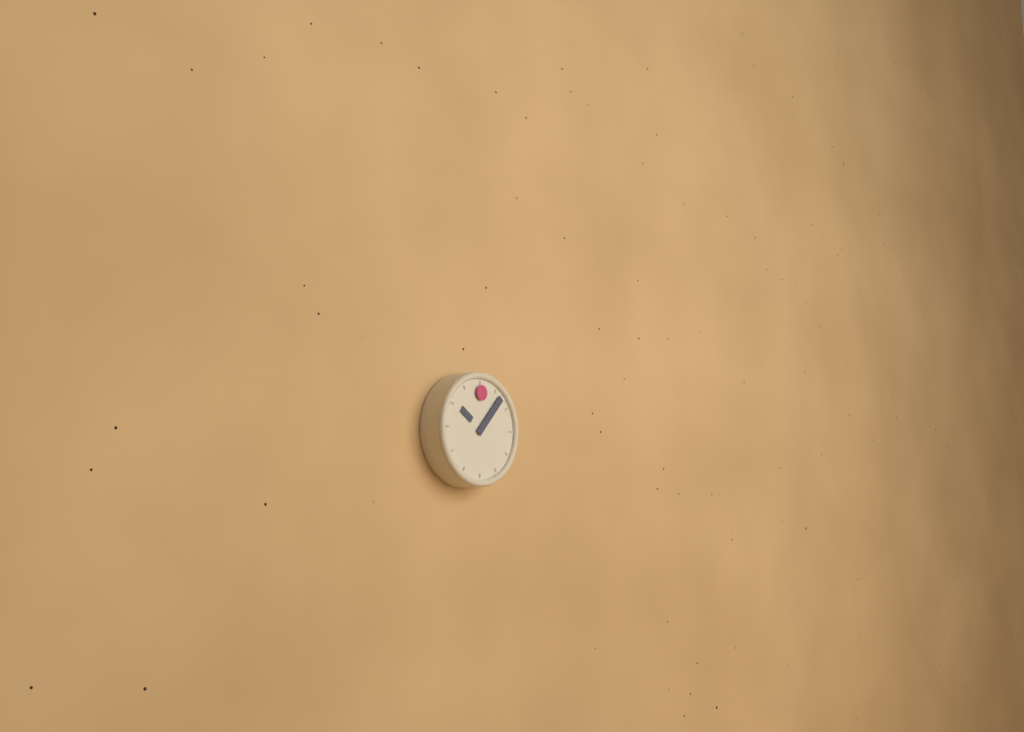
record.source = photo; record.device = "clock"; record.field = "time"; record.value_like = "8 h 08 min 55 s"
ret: 10 h 07 min 00 s
